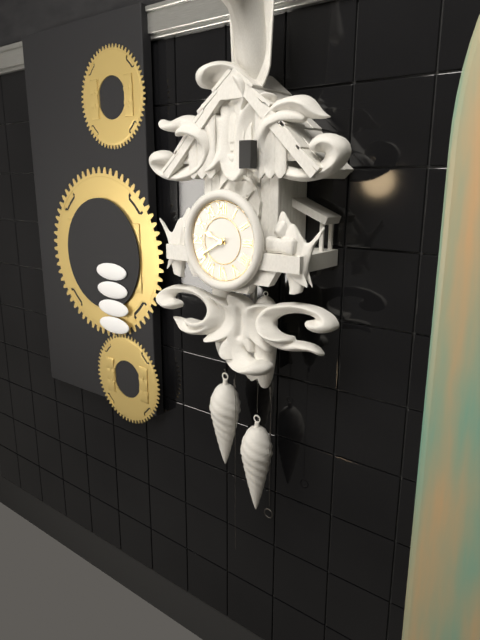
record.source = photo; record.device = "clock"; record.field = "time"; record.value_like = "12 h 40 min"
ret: 9 h 40 min
